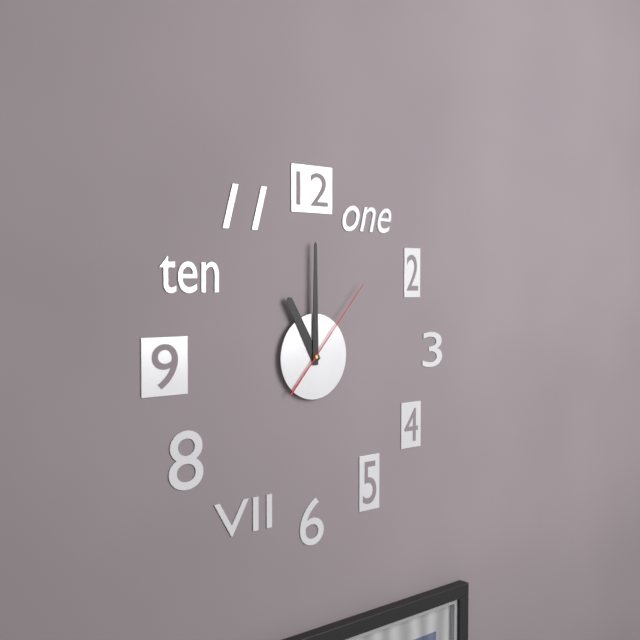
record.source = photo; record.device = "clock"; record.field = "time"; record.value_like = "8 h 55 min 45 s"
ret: 11 h 00 min 07 s
